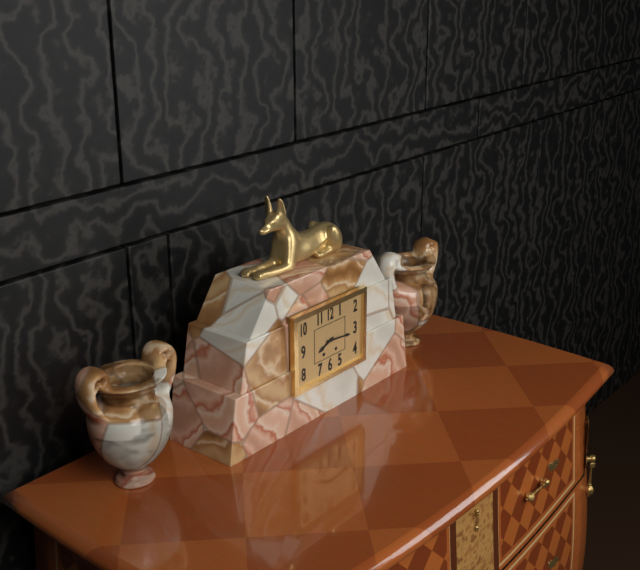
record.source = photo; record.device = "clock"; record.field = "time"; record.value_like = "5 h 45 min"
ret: 8 h 16 min
